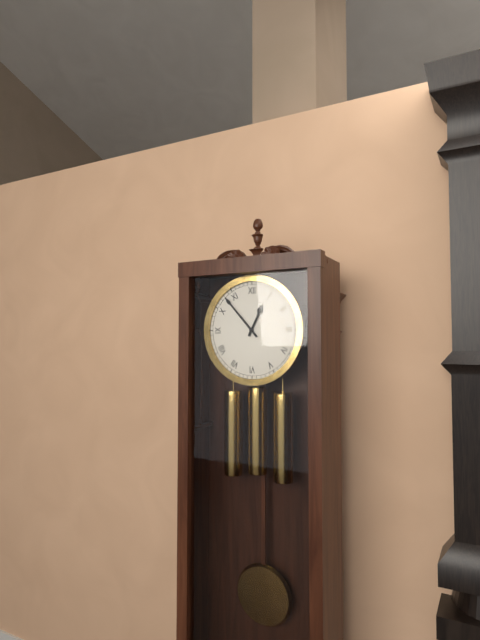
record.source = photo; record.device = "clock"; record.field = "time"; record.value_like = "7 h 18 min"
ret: 12 h 53 min
